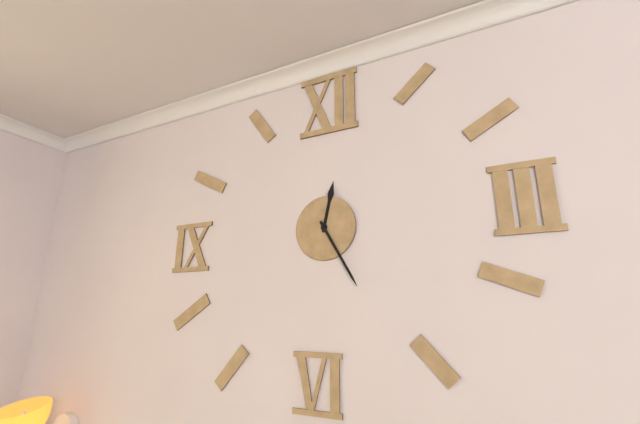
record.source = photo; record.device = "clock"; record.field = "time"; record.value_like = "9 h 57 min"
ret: 12 h 25 min
